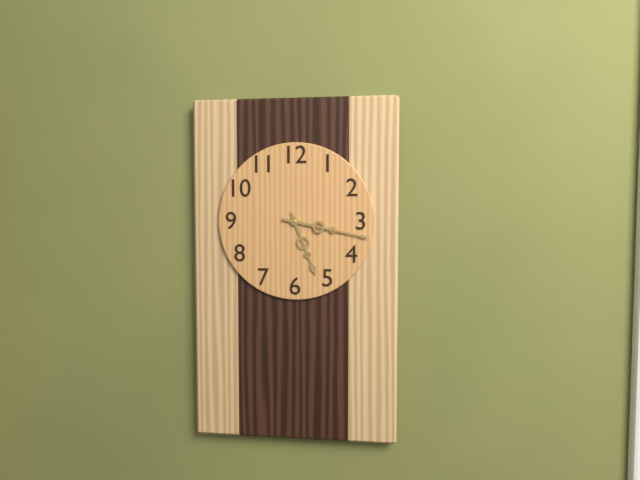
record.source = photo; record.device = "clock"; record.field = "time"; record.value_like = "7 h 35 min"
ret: 5 h 17 min
